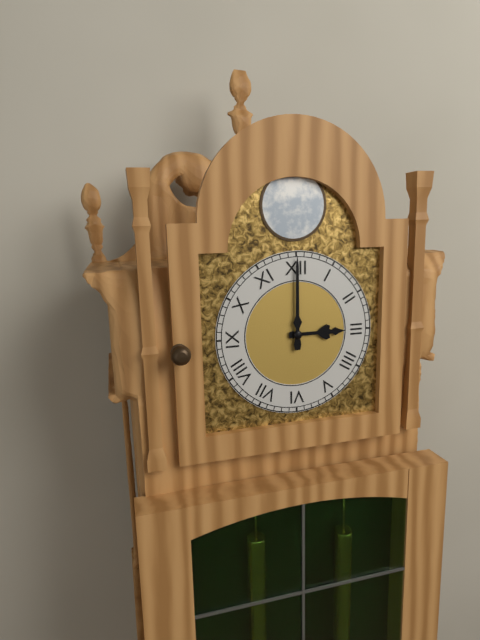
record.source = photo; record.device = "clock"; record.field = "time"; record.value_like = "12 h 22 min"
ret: 3 h 00 min
